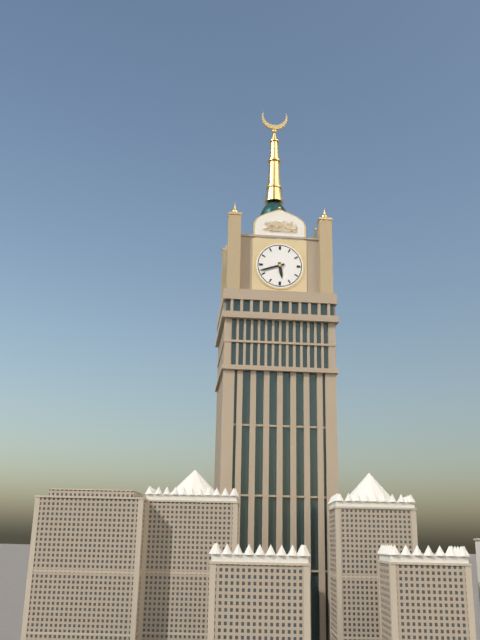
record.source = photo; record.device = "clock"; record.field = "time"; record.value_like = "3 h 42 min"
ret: 5 h 42 min
